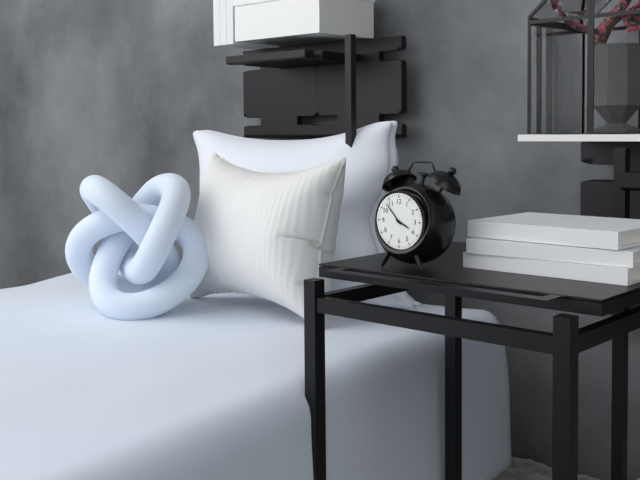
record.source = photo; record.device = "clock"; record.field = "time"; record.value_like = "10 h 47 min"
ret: 3 h 53 min
